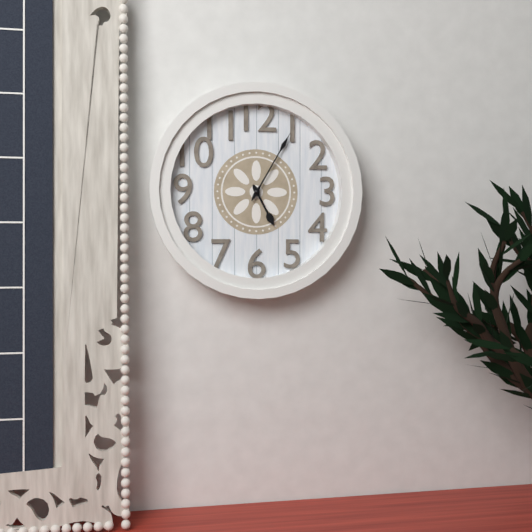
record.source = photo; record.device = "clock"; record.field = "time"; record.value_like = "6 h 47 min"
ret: 5 h 05 min
